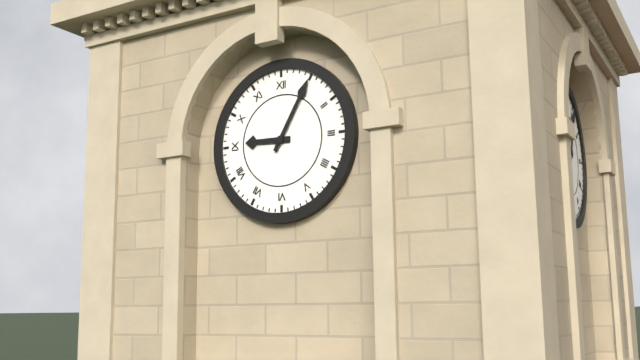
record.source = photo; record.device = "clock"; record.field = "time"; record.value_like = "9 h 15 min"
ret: 9 h 05 min
